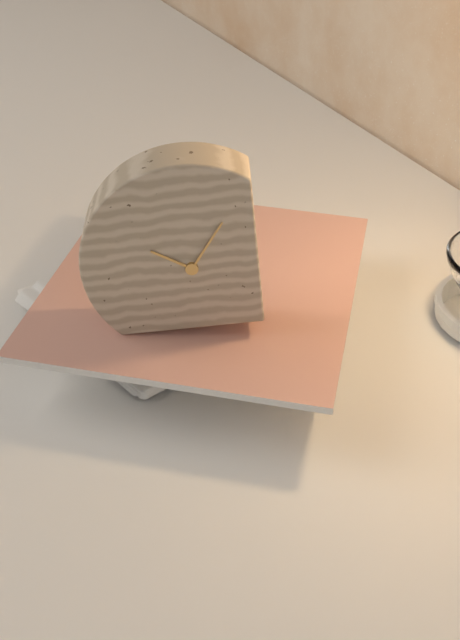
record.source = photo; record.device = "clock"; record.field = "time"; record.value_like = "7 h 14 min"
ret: 10 h 06 min
